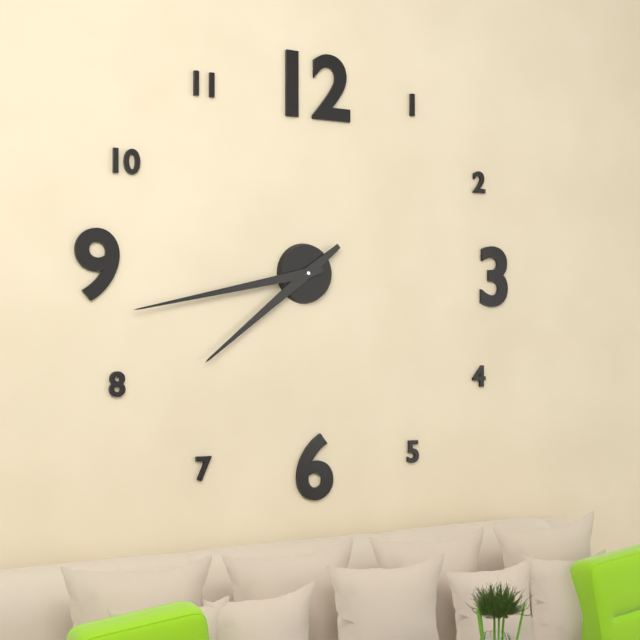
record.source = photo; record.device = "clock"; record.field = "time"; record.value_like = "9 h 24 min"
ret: 7 h 43 min
